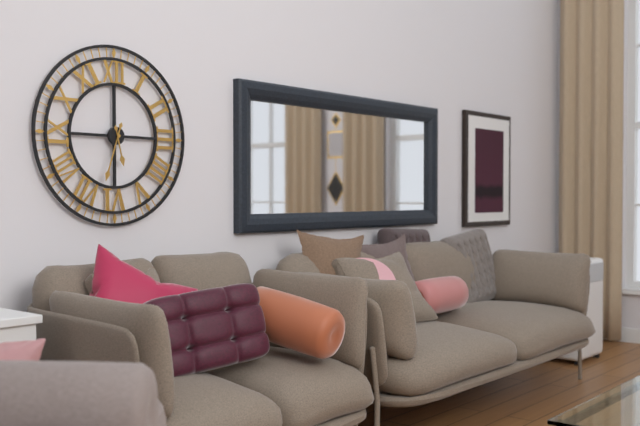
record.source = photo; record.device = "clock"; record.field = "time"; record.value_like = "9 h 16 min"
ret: 5 h 33 min
